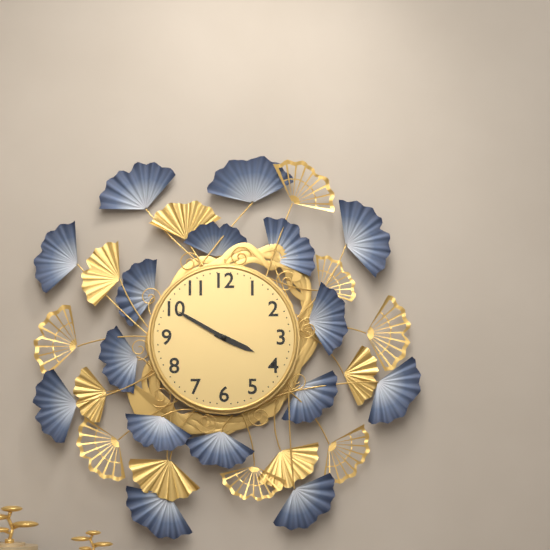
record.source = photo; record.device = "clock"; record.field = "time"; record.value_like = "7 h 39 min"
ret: 3 h 50 min
